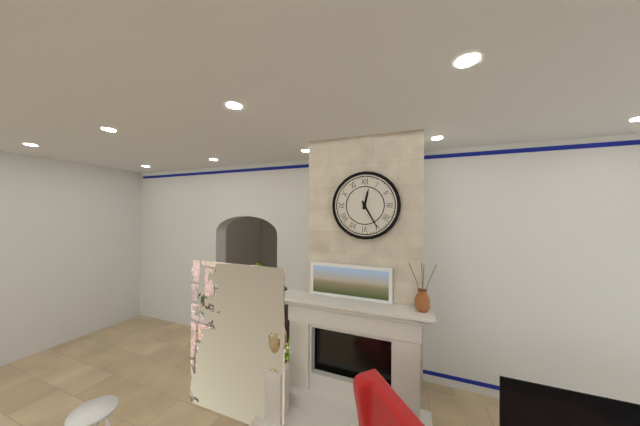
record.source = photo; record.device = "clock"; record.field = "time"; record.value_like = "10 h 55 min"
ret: 12 h 25 min
